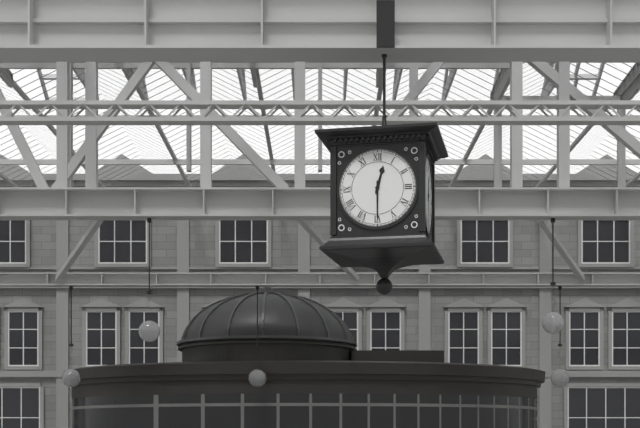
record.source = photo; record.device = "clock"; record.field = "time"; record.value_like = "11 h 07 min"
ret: 12 h 30 min
